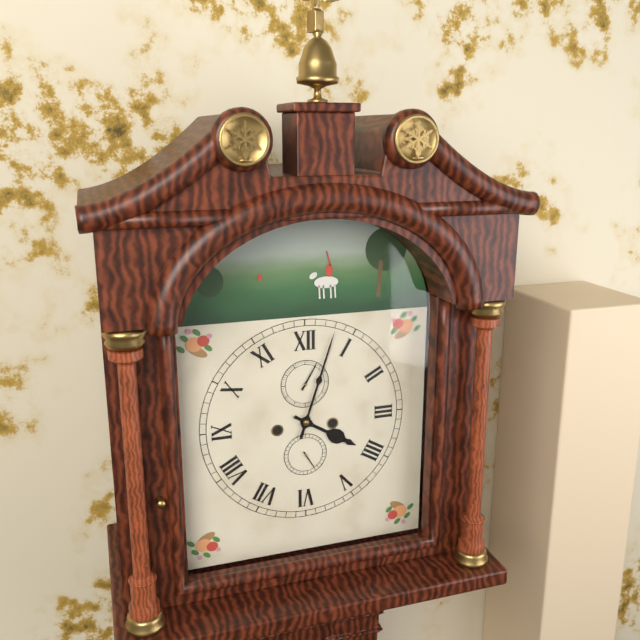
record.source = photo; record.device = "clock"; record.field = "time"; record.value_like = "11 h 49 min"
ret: 4 h 03 min
